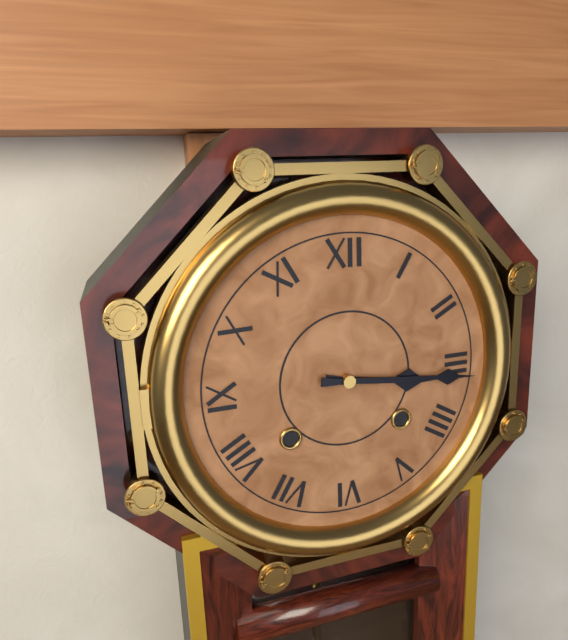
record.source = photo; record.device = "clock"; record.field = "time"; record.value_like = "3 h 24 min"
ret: 3 h 16 min
